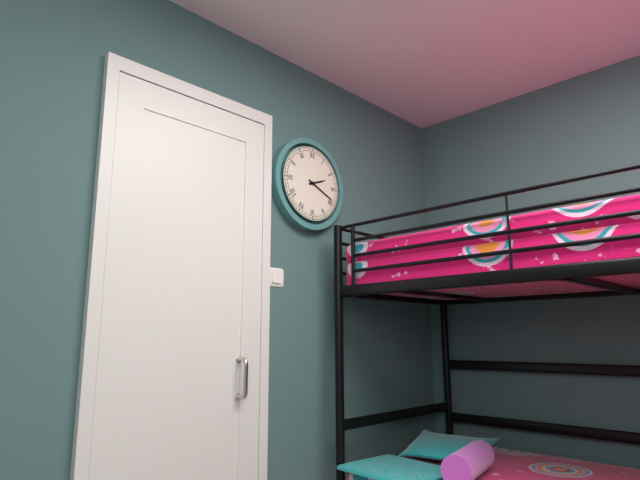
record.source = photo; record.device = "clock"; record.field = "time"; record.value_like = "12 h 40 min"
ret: 2 h 19 min
